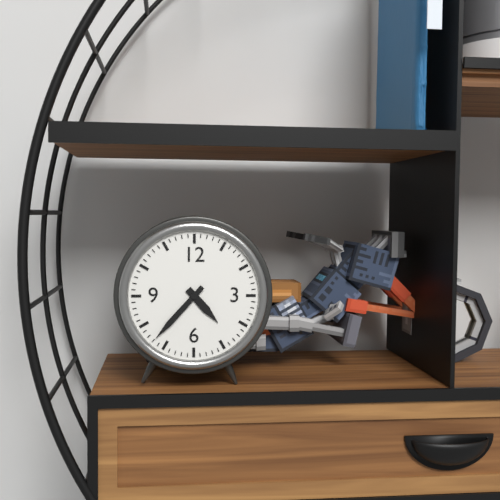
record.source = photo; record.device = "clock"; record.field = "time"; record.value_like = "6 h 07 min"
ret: 4 h 37 min
